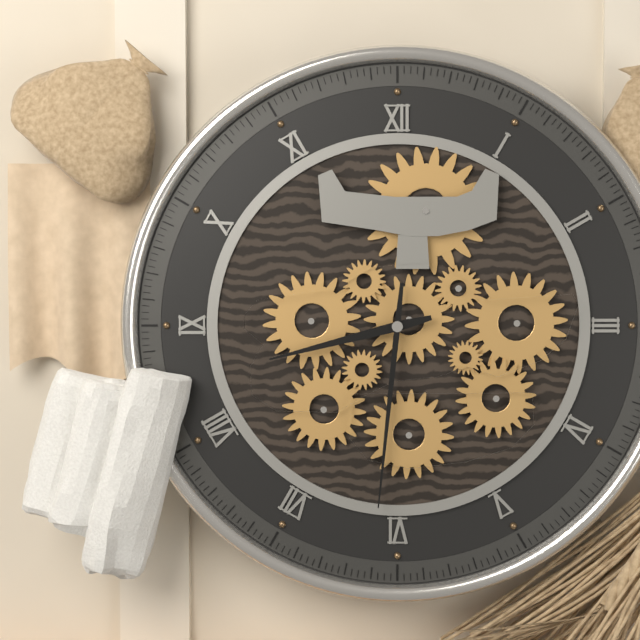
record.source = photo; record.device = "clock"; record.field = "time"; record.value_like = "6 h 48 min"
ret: 8 h 31 min
